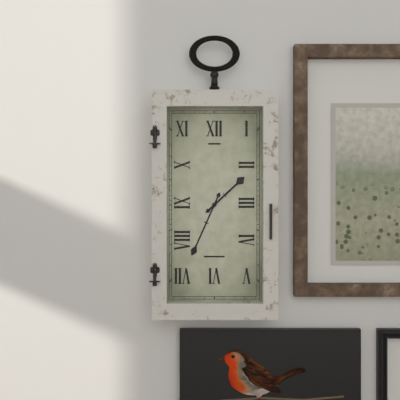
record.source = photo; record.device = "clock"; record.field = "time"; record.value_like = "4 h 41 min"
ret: 1 h 34 min
